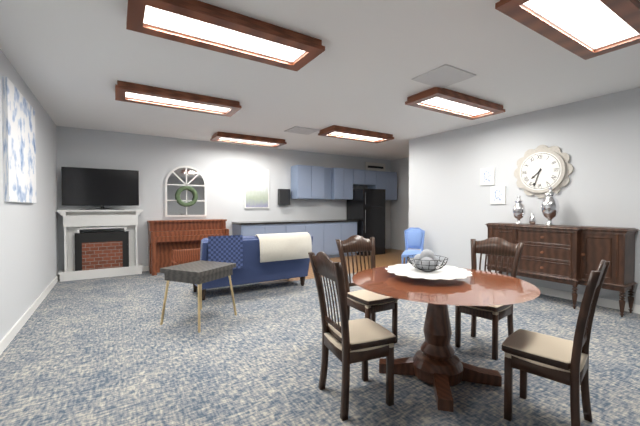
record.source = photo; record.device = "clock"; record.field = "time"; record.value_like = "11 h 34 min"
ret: 7 h 33 min
